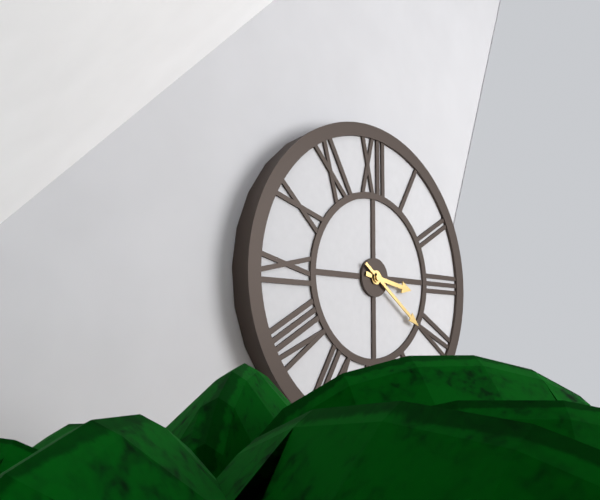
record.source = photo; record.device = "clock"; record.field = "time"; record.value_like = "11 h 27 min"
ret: 3 h 21 min
